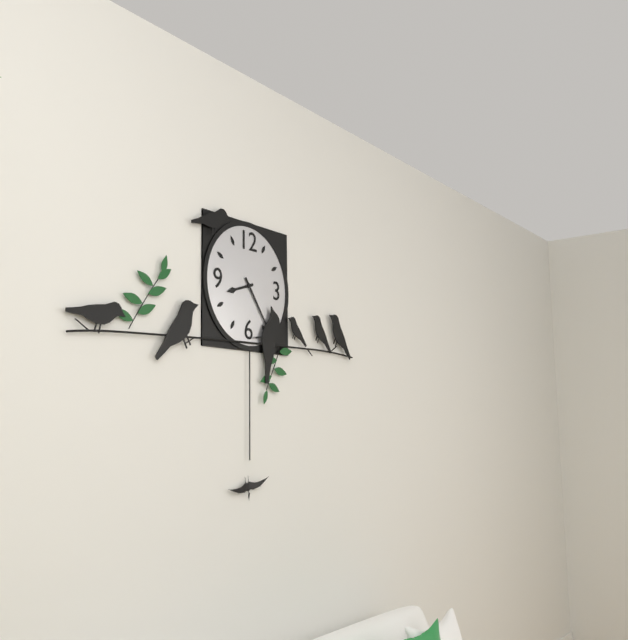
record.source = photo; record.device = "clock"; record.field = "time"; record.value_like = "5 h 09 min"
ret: 8 h 24 min
